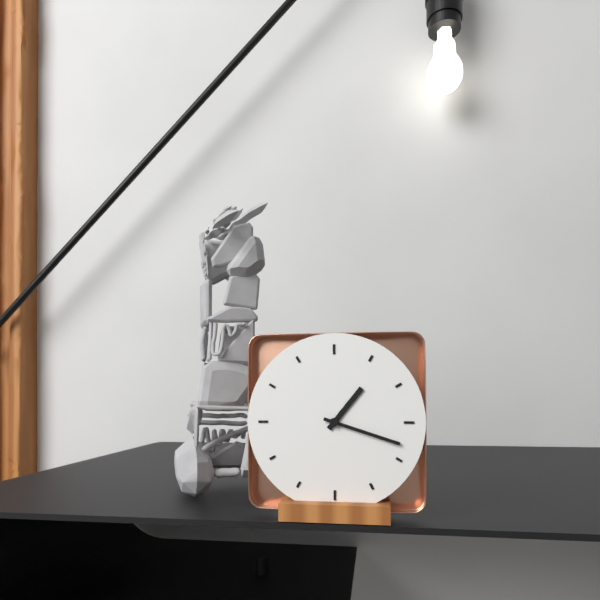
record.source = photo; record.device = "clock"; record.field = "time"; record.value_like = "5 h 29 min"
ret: 1 h 18 min
